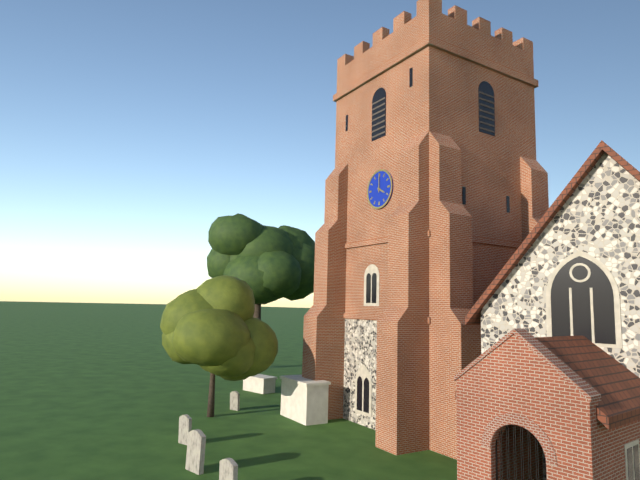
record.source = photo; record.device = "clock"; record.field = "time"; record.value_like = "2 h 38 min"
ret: 4 h 00 min
